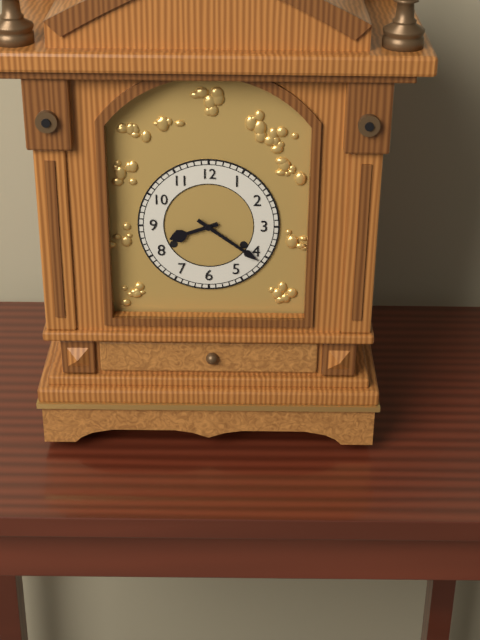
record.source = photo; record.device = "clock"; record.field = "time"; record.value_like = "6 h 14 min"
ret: 8 h 21 min
